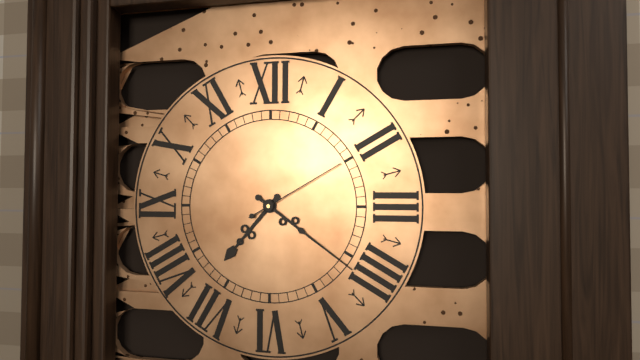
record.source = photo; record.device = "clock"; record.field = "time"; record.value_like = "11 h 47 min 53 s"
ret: 7 h 21 min 10 s
